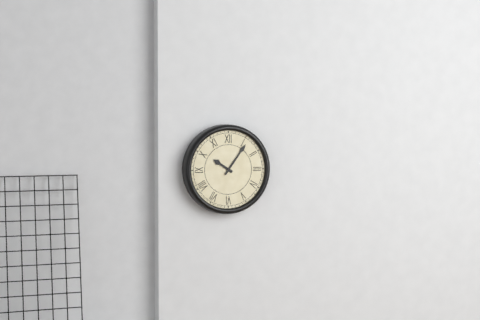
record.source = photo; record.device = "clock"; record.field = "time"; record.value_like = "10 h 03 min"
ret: 10 h 06 min
